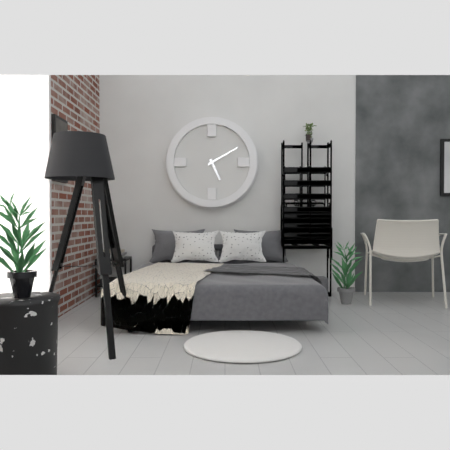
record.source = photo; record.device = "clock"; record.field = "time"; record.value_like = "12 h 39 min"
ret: 5 h 10 min
